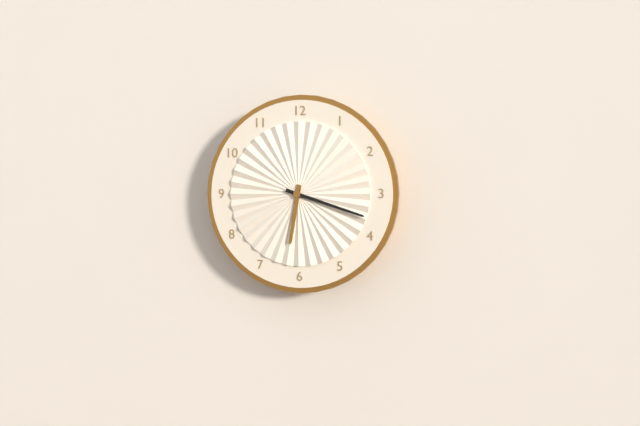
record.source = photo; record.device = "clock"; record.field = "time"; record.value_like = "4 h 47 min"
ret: 6 h 18 min
